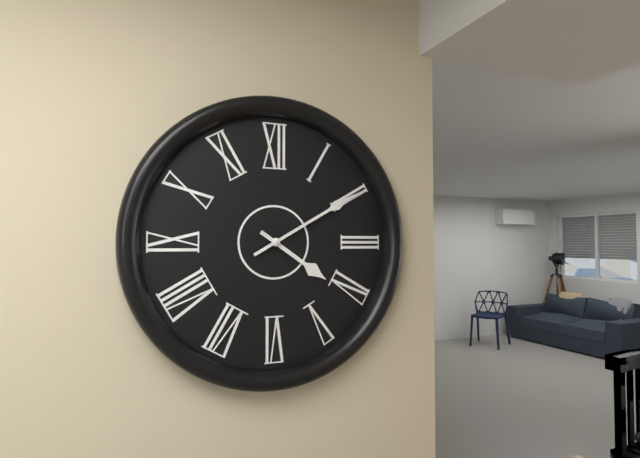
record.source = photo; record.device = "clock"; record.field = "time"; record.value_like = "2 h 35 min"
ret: 4 h 10 min
